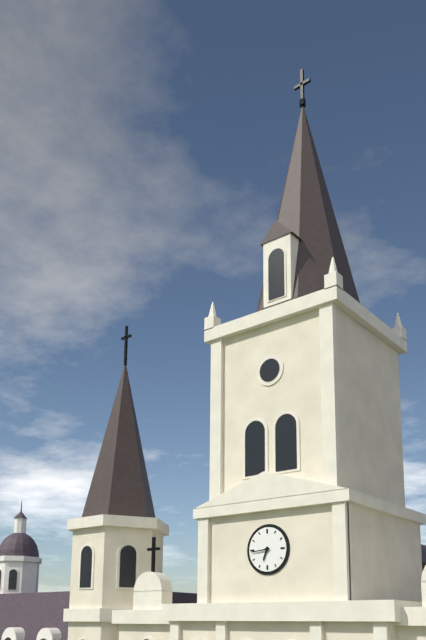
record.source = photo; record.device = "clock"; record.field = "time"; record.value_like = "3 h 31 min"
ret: 6 h 44 min
